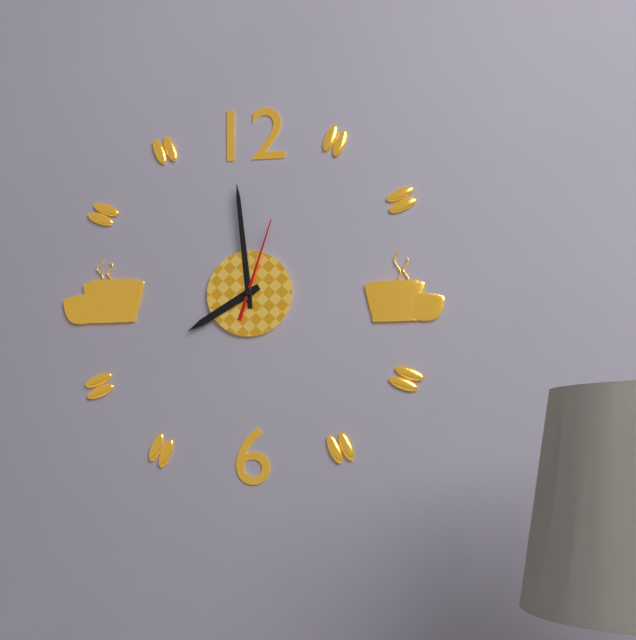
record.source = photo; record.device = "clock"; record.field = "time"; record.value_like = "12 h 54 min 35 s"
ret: 7 h 59 min 03 s
